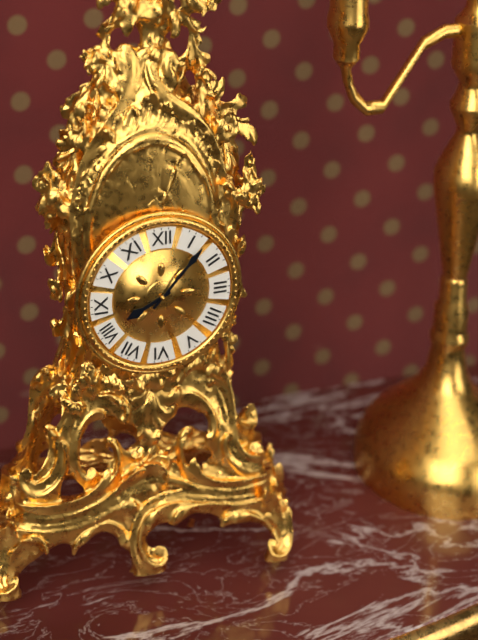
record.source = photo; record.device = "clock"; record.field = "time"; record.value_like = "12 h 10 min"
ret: 8 h 07 min
